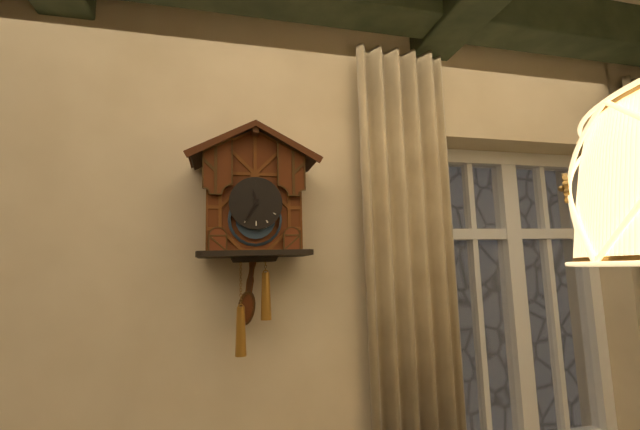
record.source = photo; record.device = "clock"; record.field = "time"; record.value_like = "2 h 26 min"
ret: 11 h 35 min
